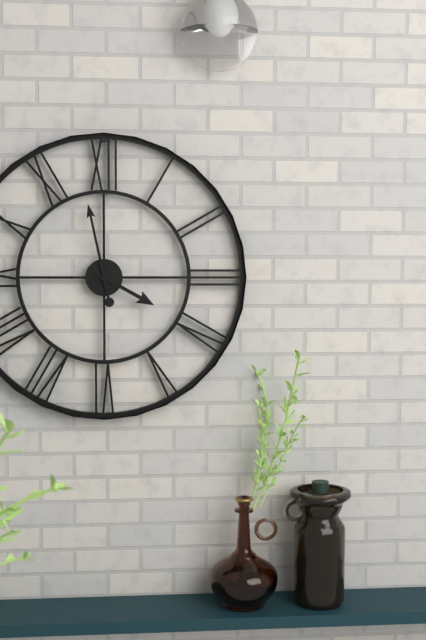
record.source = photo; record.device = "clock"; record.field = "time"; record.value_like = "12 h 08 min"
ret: 3 h 58 min
